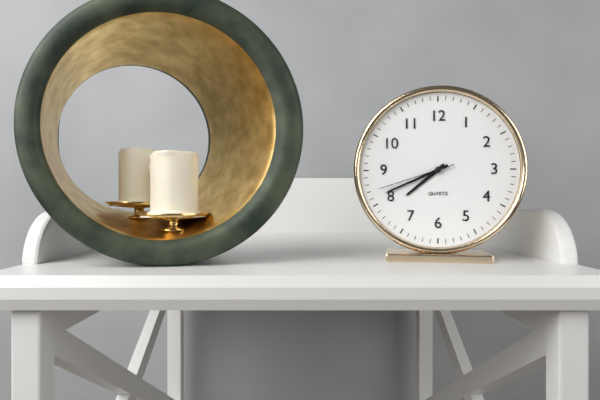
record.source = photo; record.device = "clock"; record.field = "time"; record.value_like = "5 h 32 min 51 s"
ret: 7 h 41 min 42 s
